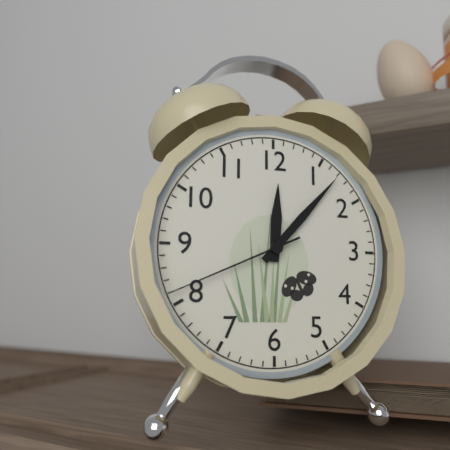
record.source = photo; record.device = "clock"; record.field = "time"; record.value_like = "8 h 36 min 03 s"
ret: 12 h 07 min 41 s
